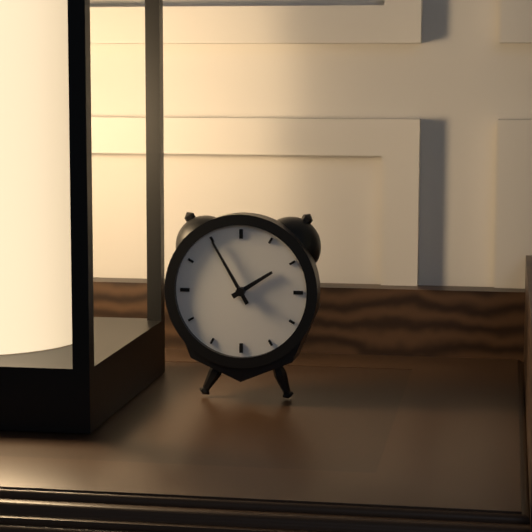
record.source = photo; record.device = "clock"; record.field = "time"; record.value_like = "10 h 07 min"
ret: 1 h 55 min
